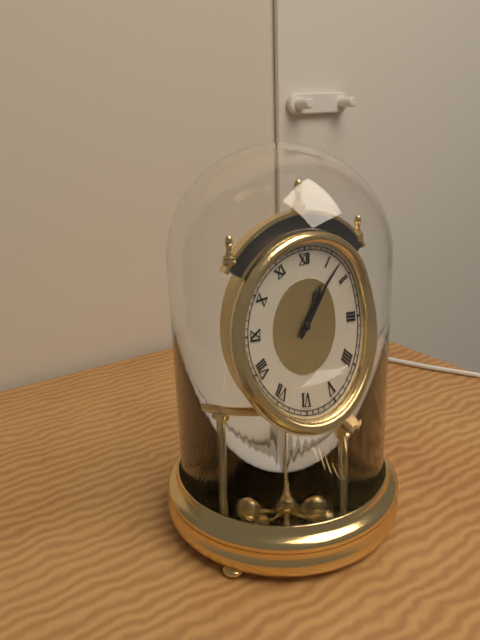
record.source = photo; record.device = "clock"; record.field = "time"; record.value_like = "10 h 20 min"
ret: 1 h 07 min
